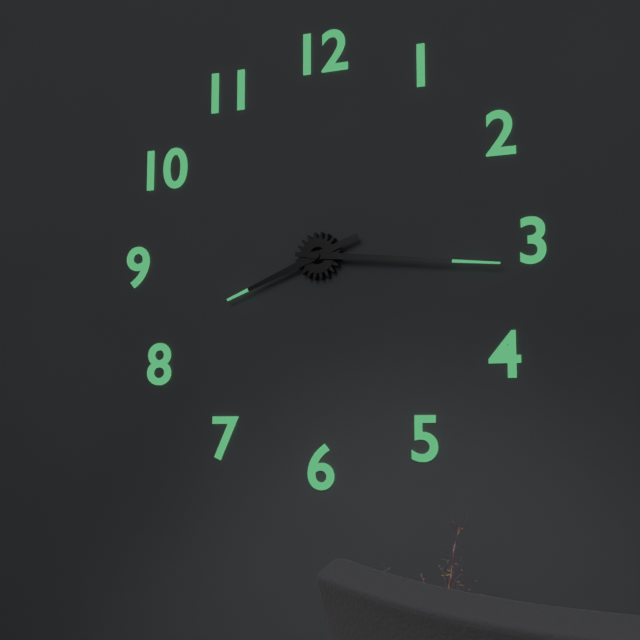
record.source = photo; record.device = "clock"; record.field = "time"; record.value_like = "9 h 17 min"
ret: 8 h 16 min
